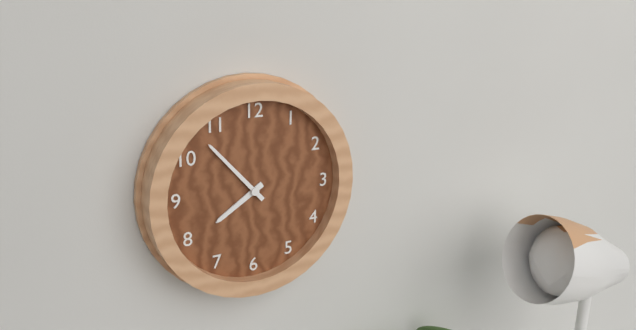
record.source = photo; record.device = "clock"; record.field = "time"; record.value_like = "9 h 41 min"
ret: 7 h 53 min
